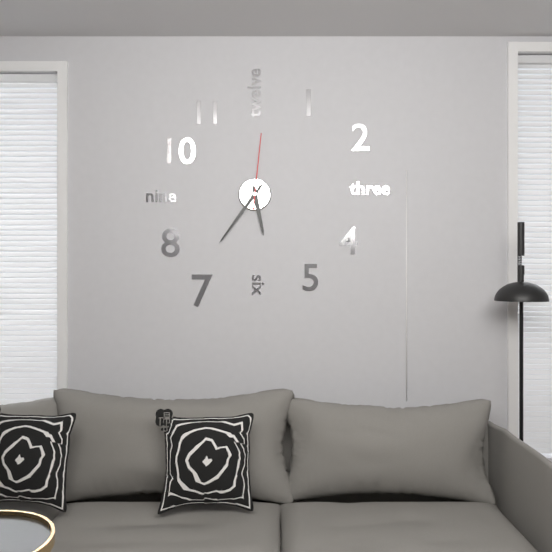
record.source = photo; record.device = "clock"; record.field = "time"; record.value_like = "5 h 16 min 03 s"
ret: 5 h 36 min 01 s
